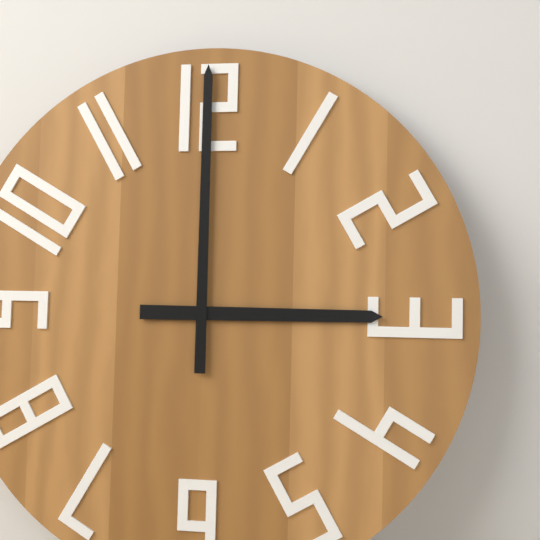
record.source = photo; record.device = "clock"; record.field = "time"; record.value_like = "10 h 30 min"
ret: 3 h 00 min
